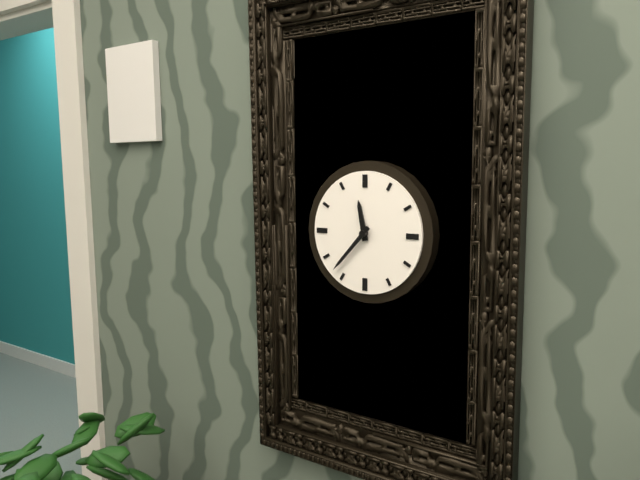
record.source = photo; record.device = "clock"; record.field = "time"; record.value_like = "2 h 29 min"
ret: 11 h 37 min
